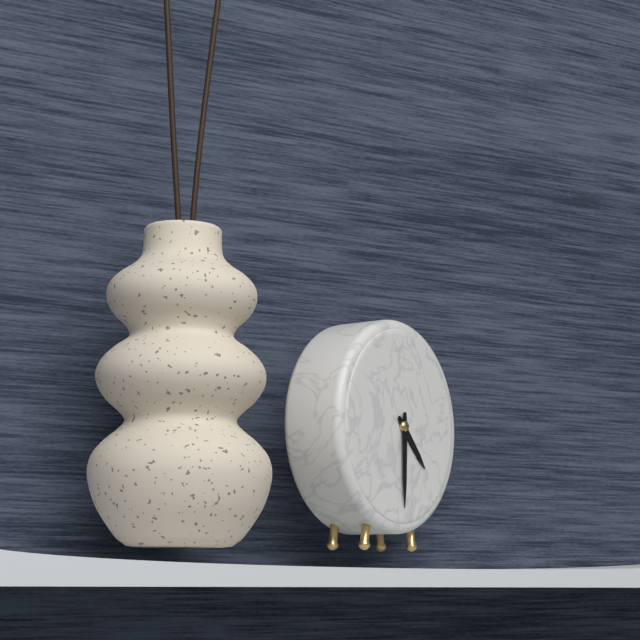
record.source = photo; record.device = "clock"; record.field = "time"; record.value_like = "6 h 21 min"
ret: 4 h 30 min
